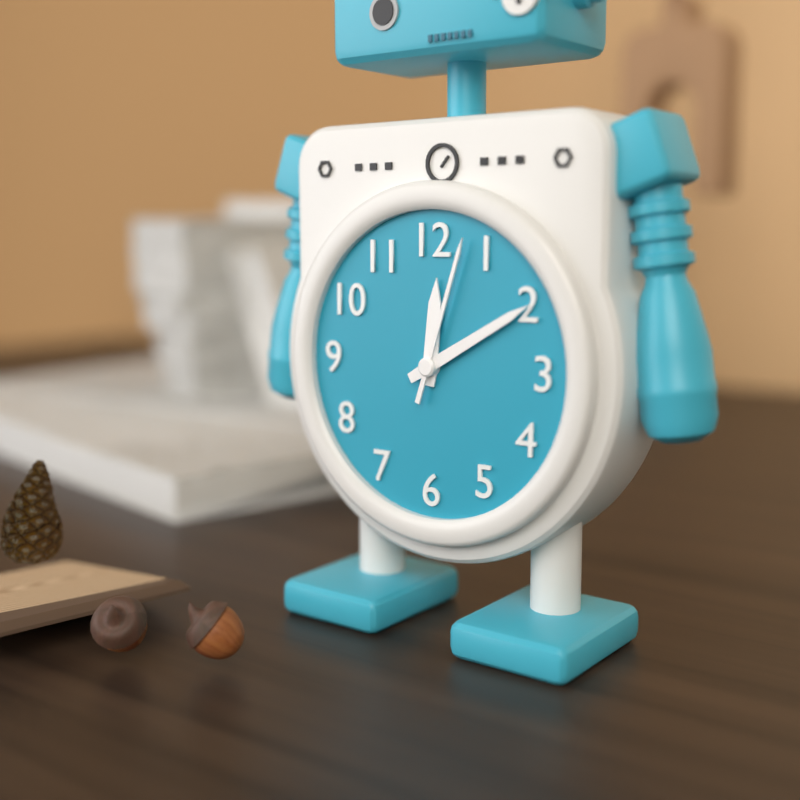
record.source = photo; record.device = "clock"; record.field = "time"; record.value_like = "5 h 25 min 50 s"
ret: 12 h 10 min 03 s
